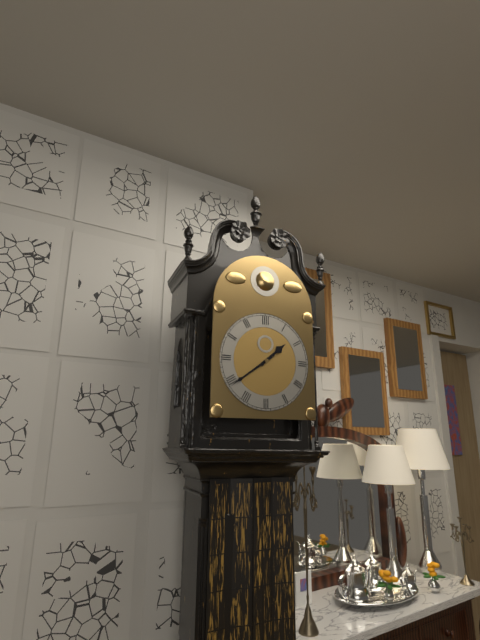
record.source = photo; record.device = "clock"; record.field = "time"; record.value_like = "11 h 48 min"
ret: 1 h 39 min
